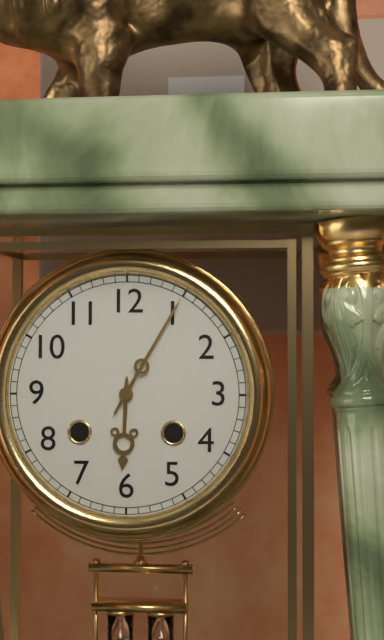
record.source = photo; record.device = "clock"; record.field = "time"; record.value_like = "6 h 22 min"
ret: 6 h 05 min
